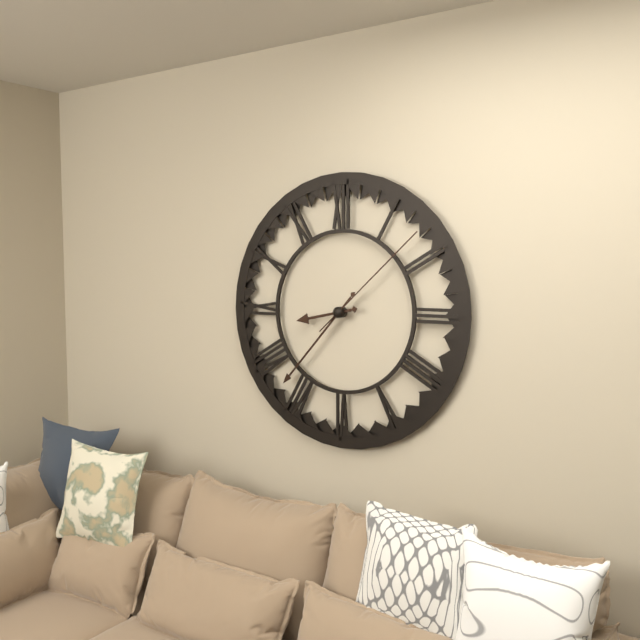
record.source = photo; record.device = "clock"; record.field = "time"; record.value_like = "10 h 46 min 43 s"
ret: 8 h 37 min 08 s
